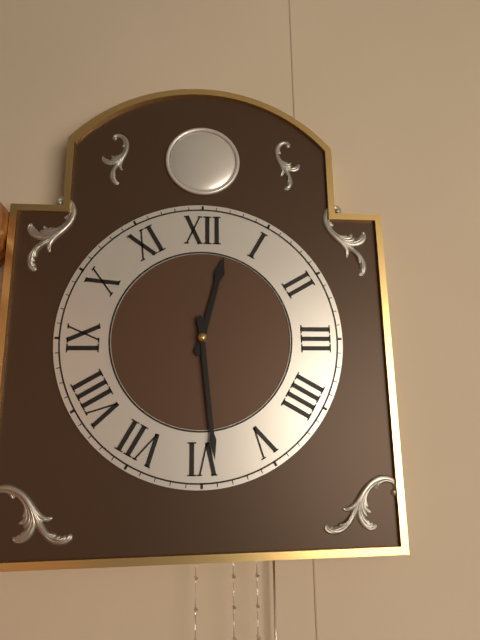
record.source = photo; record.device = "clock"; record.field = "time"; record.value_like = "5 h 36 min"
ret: 12 h 29 min
